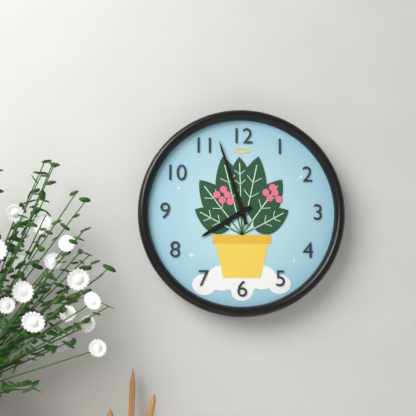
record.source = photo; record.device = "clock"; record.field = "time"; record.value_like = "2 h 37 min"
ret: 7 h 57 min
